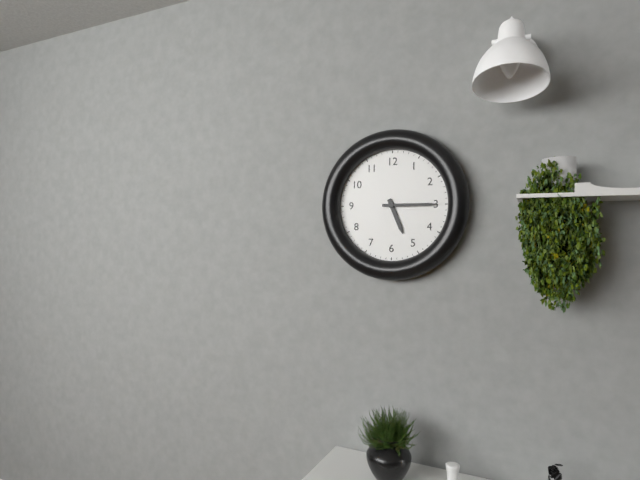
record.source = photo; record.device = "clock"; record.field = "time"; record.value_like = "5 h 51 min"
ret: 5 h 15 min
